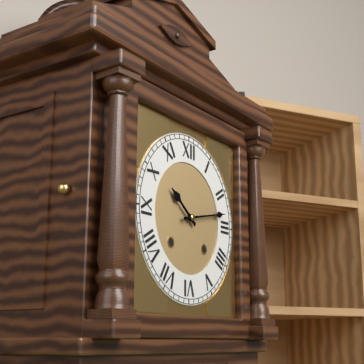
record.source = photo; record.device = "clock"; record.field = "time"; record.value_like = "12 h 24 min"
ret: 10 h 13 min
